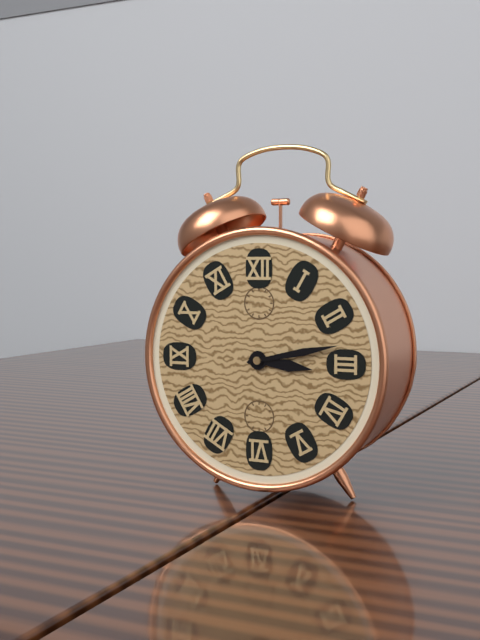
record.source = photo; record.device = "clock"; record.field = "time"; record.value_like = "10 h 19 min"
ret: 3 h 13 min
